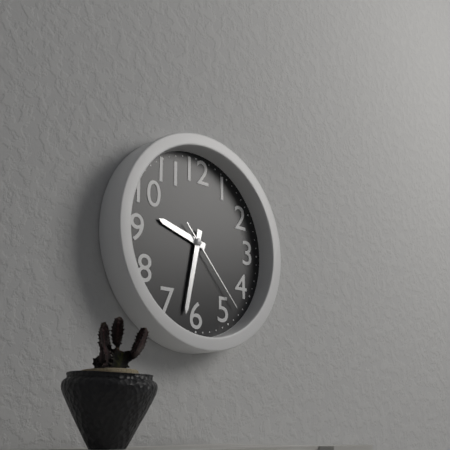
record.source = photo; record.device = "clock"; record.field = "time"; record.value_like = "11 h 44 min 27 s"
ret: 9 h 32 min 23 s
